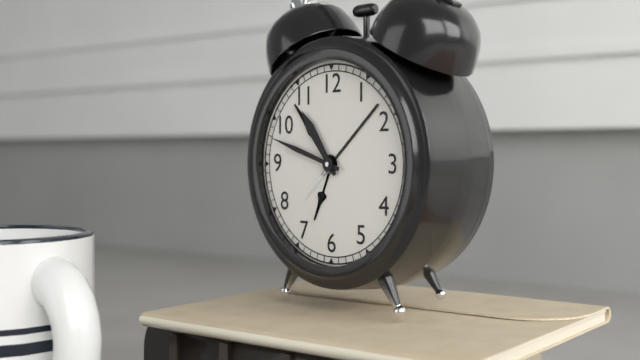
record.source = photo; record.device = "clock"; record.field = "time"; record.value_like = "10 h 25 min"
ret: 10 h 48 min
